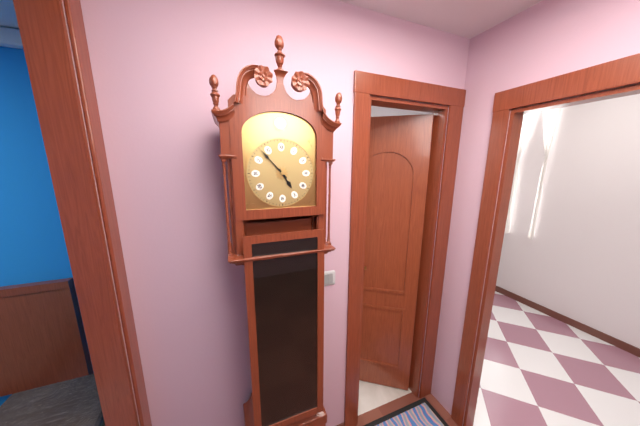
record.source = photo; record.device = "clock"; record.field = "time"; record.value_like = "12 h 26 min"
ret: 4 h 53 min
